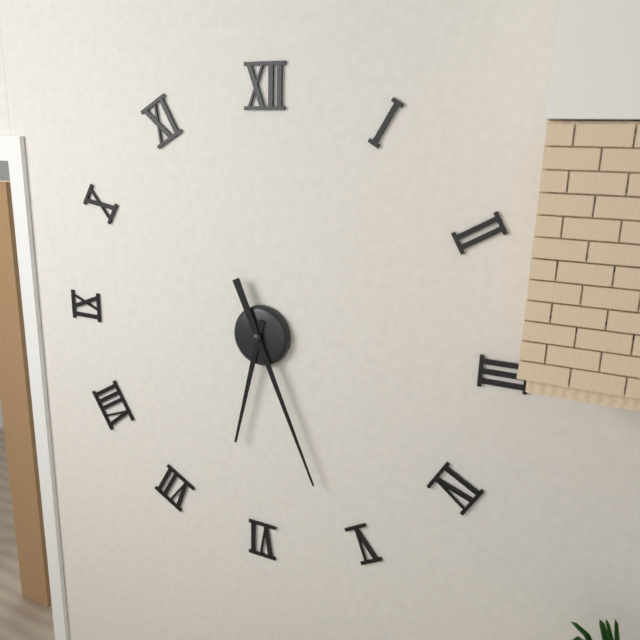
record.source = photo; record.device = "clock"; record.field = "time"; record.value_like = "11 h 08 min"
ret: 6 h 26 min
